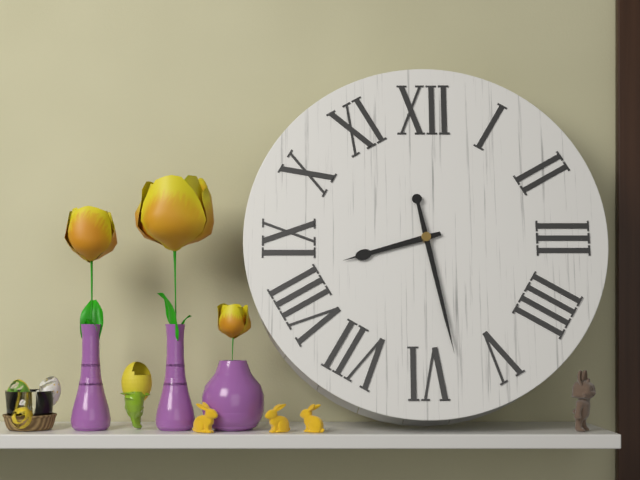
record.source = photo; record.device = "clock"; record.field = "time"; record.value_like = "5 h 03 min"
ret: 8 h 28 min
